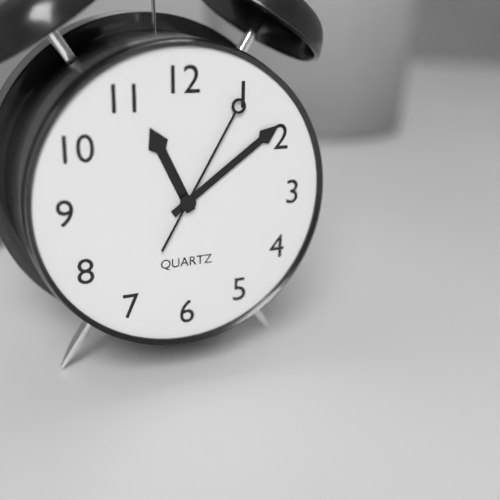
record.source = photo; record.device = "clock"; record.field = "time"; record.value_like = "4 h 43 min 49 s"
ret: 11 h 09 min 05 s
